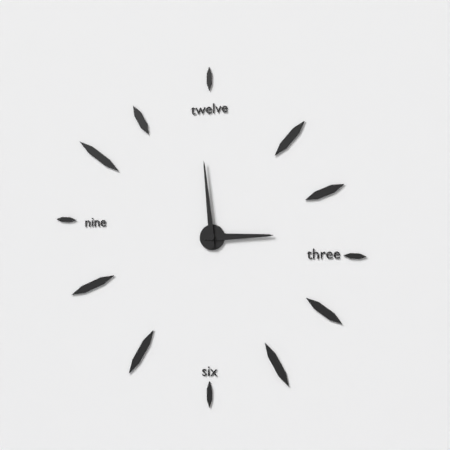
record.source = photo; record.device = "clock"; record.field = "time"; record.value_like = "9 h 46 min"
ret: 2 h 59 min
